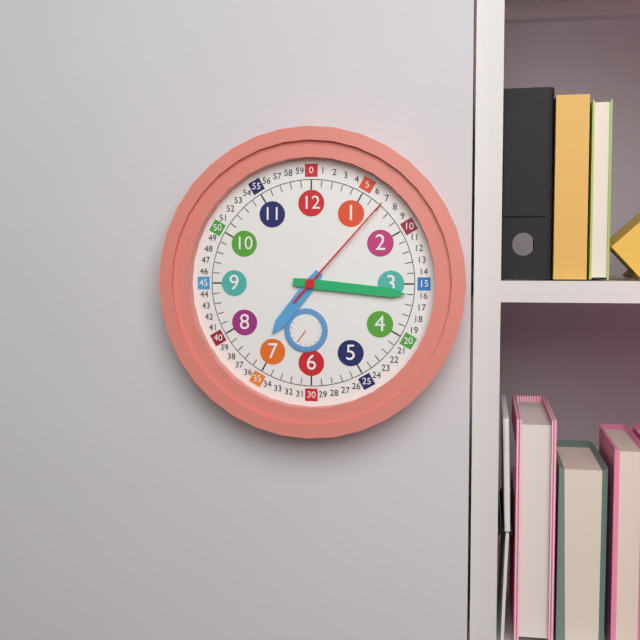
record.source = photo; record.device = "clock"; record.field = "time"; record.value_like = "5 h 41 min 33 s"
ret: 7 h 16 min 07 s
